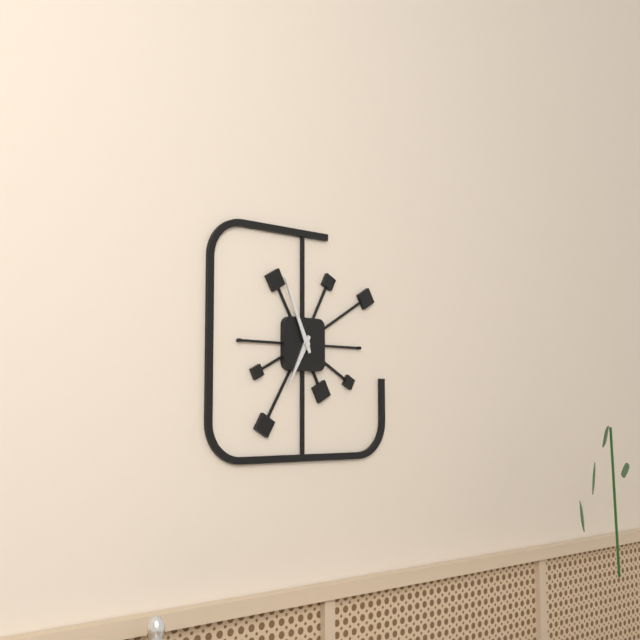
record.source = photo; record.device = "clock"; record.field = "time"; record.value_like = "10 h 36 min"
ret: 6 h 56 min
